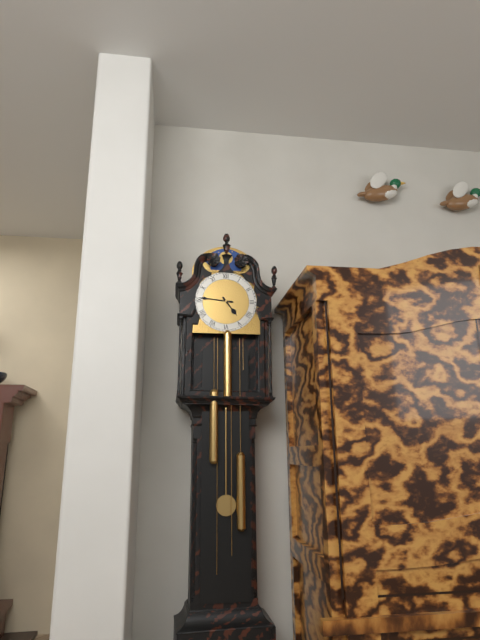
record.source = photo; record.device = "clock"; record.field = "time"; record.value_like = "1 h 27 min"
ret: 4 h 46 min
